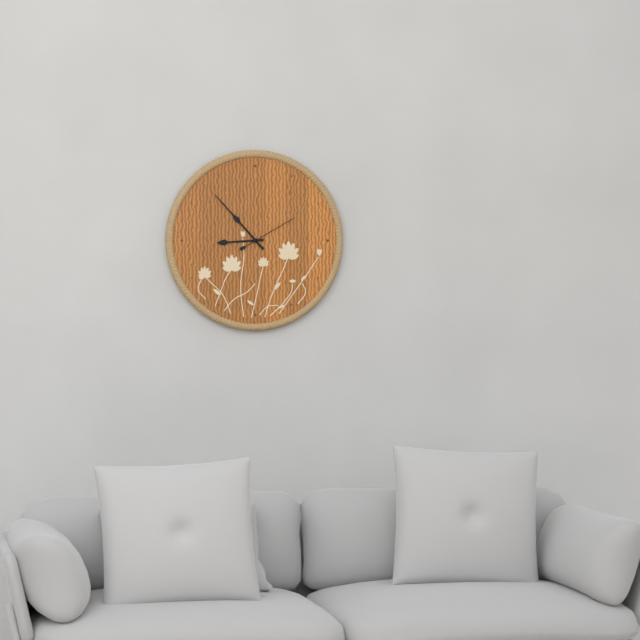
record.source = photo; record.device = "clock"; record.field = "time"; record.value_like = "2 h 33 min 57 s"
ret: 8 h 53 min 10 s
